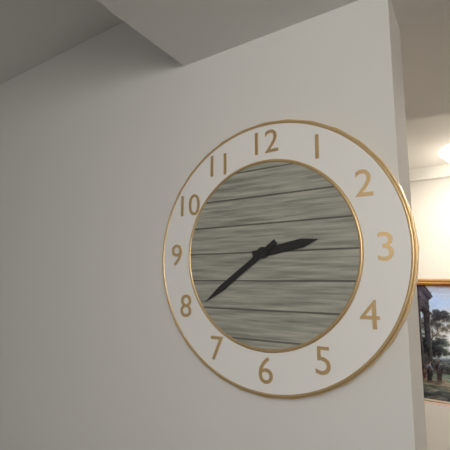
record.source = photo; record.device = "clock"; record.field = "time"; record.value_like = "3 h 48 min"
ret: 2 h 39 min
